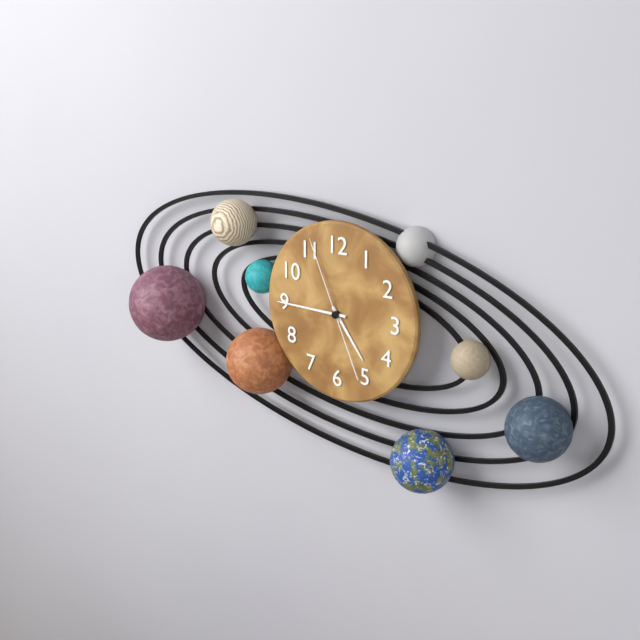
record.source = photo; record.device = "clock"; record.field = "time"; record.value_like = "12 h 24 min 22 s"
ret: 4 h 45 min 56 s
